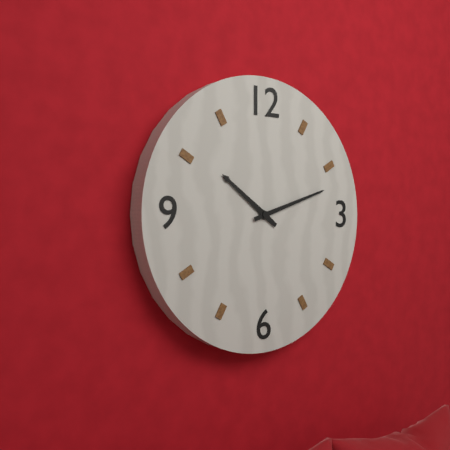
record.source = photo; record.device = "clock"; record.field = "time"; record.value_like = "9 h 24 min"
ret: 10 h 12 min
